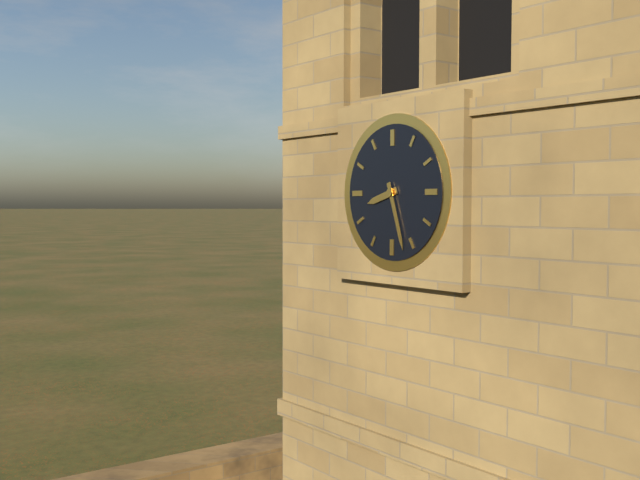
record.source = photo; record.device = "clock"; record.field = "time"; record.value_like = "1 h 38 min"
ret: 8 h 27 min
